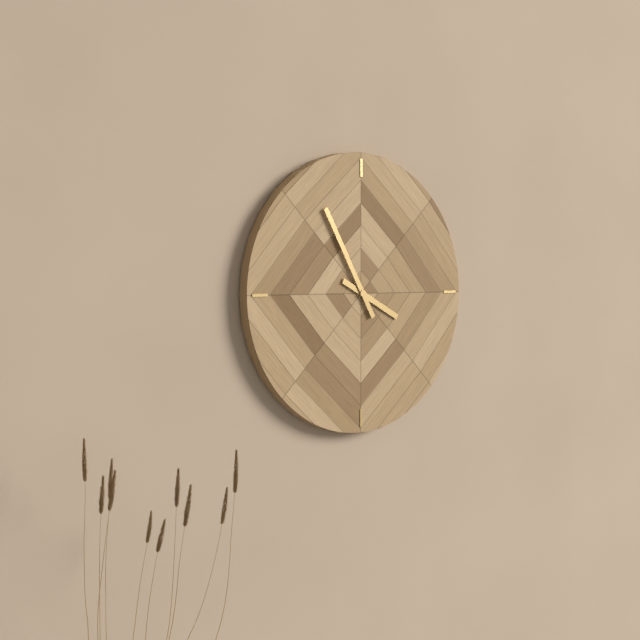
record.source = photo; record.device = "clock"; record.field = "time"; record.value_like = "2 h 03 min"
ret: 3 h 55 min
